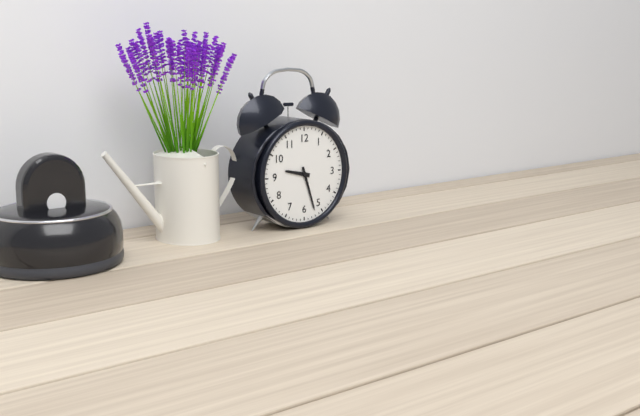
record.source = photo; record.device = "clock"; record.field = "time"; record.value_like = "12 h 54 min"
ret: 9 h 27 min
